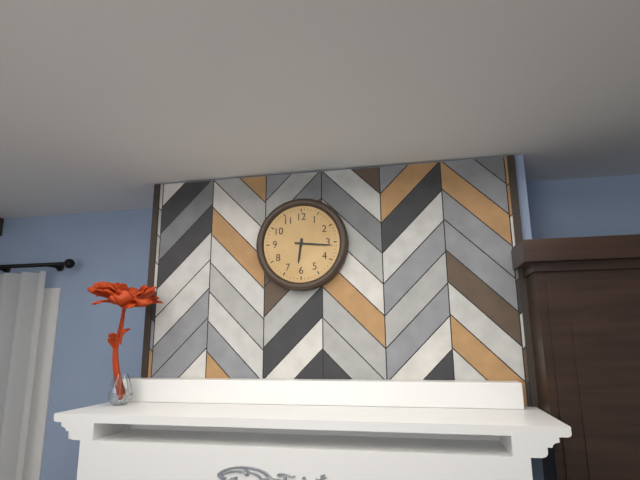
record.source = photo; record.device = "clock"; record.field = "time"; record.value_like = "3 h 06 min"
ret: 6 h 16 min
